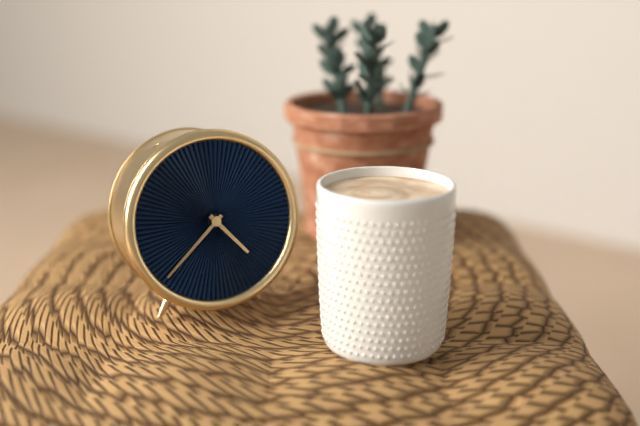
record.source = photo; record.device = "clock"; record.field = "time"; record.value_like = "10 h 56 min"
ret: 4 h 38 min
